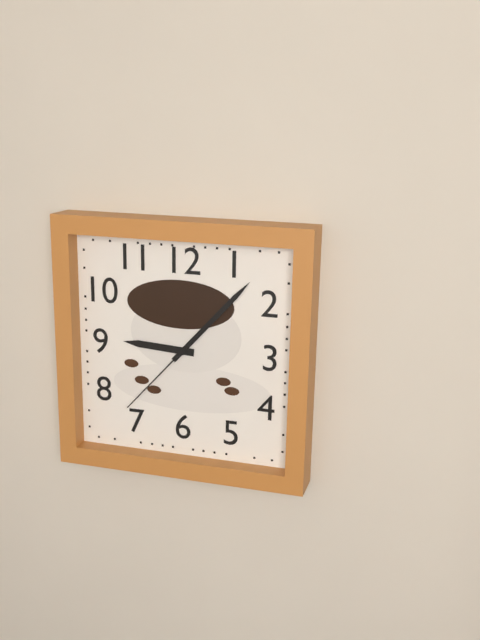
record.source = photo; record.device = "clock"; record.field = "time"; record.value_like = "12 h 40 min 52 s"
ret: 9 h 07 min 37 s
